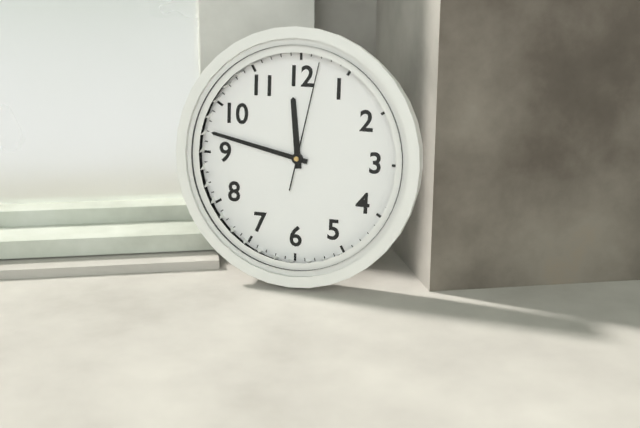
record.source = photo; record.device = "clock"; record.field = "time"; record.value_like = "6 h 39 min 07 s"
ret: 11 h 47 min 02 s
